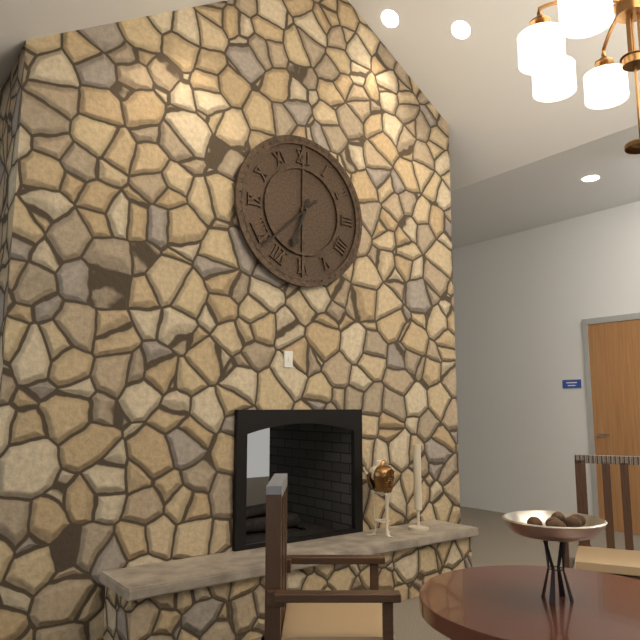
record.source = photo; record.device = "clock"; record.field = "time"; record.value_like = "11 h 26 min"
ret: 6 h 38 min
